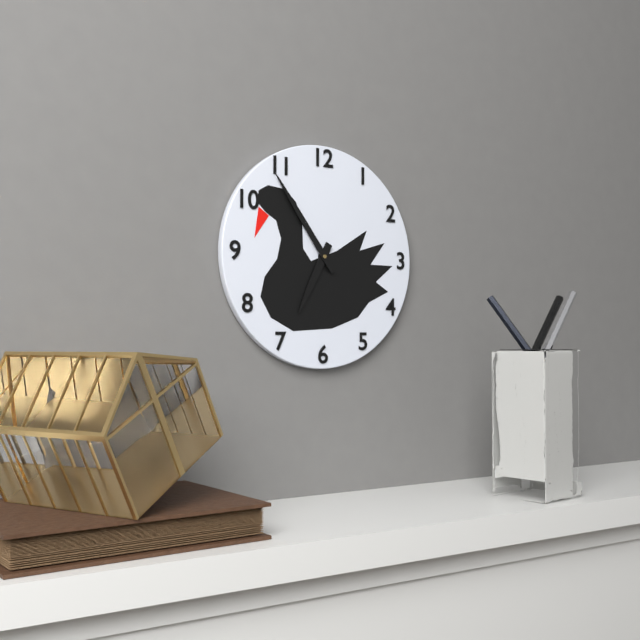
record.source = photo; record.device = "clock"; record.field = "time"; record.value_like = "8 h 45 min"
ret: 6 h 54 min
